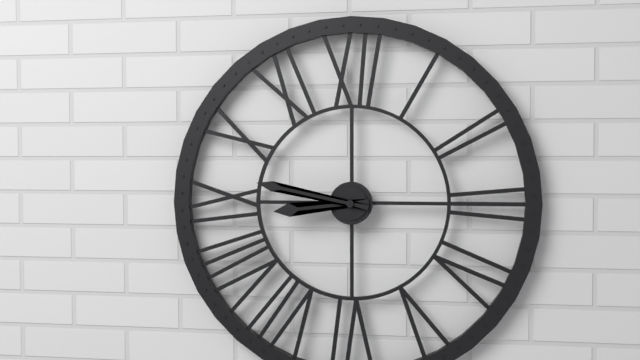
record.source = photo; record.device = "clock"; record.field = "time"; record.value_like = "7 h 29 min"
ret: 8 h 47 min
